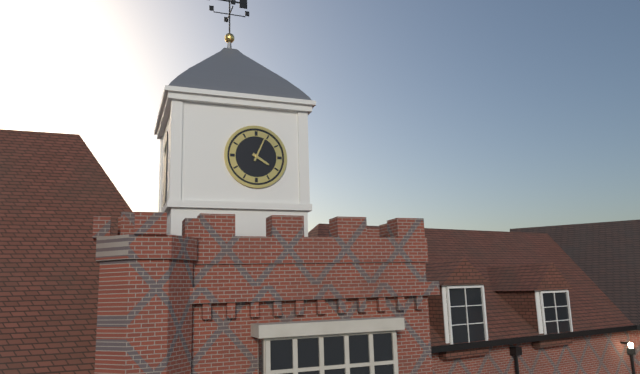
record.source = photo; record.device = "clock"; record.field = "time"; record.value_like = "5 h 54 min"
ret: 4 h 04 min
